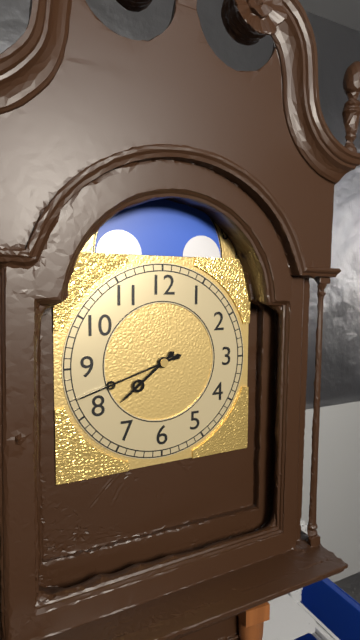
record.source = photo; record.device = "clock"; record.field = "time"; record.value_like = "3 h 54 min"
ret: 7 h 42 min
